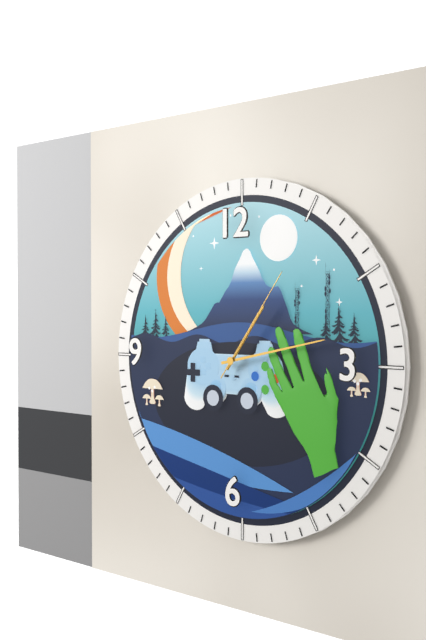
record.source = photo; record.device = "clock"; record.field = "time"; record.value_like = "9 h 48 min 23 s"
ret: 1 h 13 min 06 s
